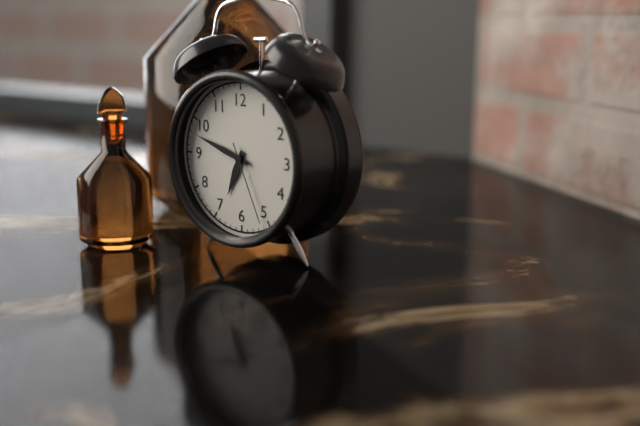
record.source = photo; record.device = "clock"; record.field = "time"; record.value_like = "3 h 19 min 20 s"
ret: 6 h 48 min 26 s
